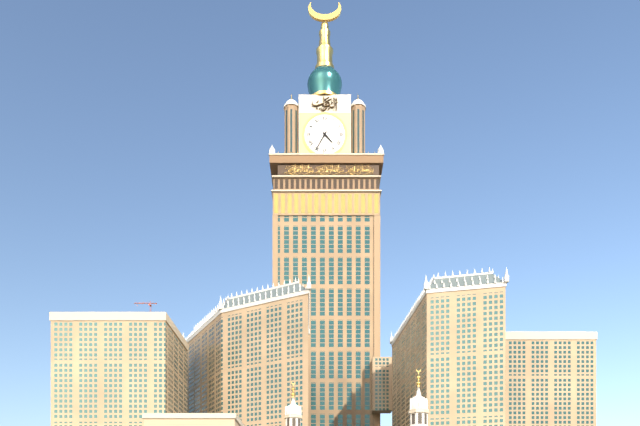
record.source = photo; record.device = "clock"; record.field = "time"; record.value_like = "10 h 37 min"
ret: 4 h 35 min
